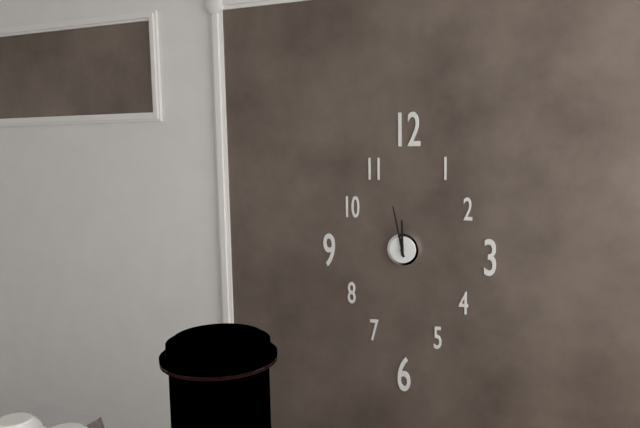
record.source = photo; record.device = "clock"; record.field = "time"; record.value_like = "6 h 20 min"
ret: 11 h 58 min
